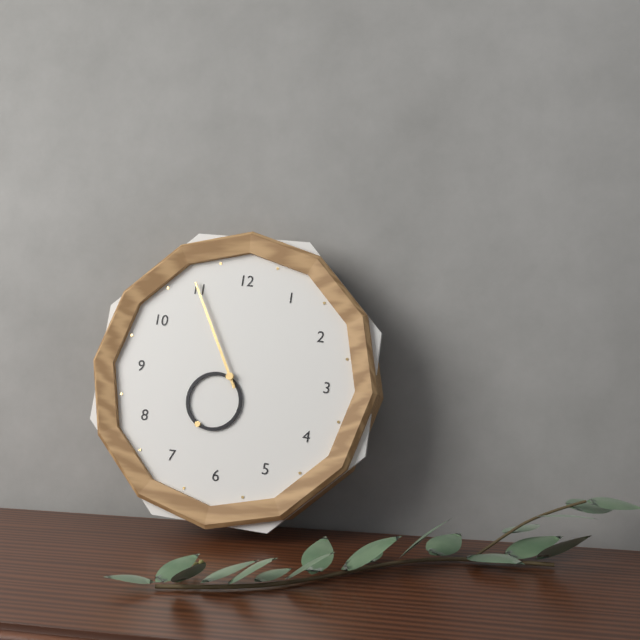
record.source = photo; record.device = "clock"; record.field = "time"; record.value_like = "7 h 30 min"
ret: 6 h 55 min
